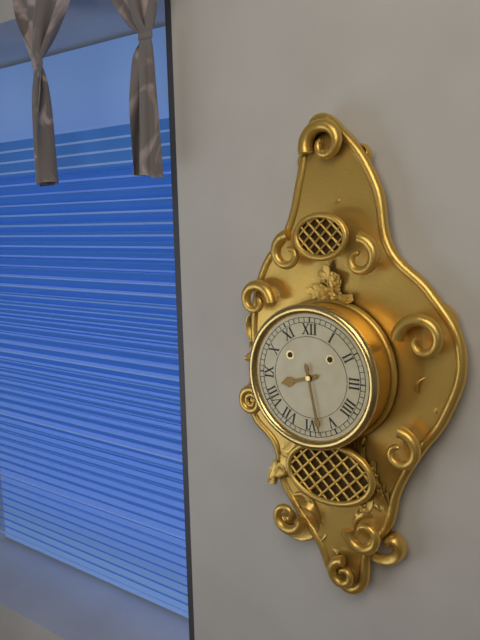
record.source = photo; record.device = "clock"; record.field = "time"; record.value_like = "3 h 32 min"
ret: 8 h 28 min
